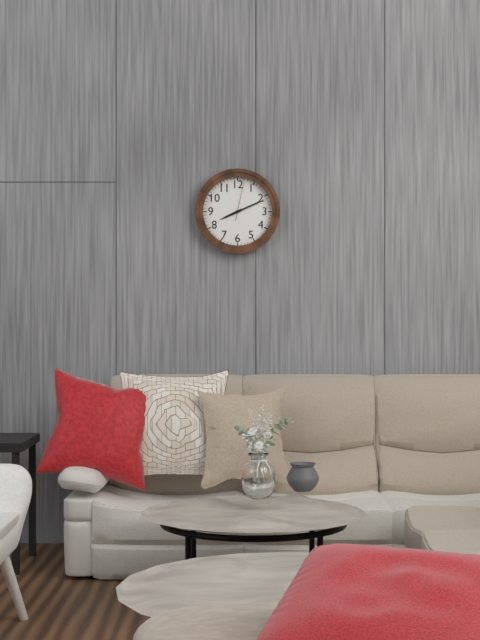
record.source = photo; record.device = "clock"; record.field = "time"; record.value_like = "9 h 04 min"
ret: 8 h 11 min
